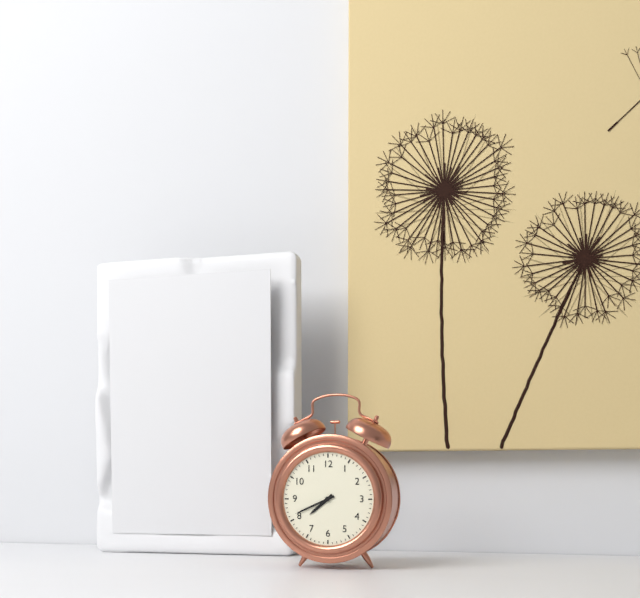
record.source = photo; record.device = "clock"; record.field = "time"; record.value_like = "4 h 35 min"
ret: 7 h 41 min
